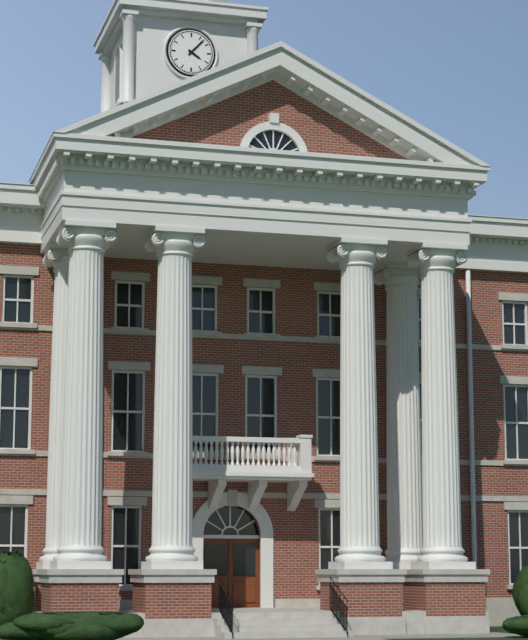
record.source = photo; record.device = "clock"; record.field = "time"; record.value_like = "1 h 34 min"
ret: 4 h 07 min
